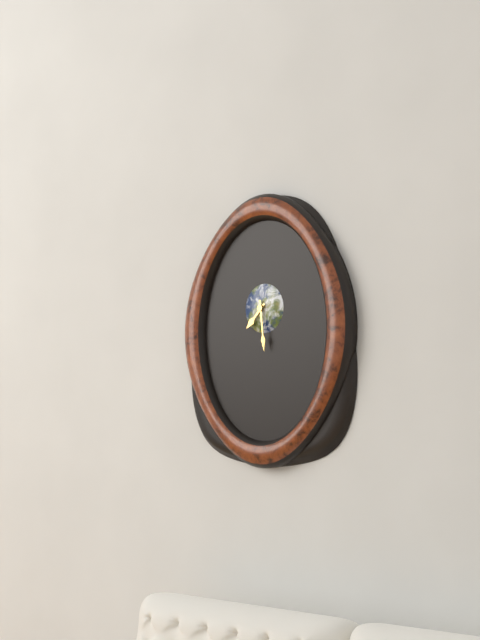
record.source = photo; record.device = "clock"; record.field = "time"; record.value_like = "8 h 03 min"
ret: 7 h 29 min
